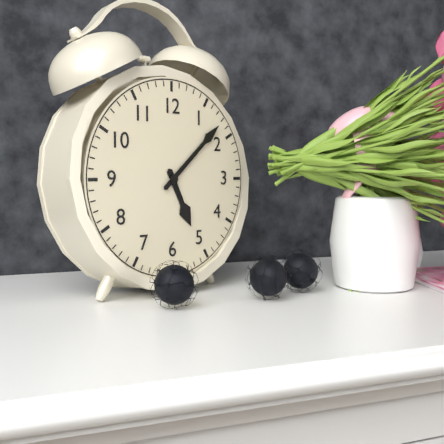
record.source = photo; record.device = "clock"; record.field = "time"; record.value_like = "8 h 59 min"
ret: 5 h 08 min
